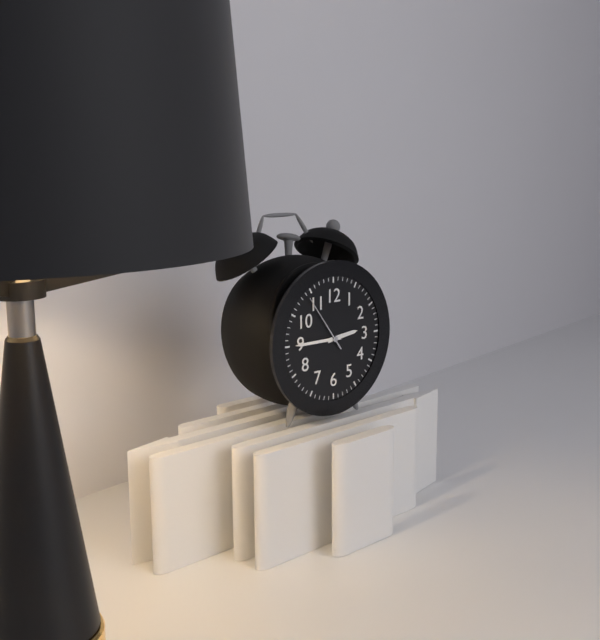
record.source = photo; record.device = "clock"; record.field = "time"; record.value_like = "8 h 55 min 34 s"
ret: 2 h 45 min 54 s
